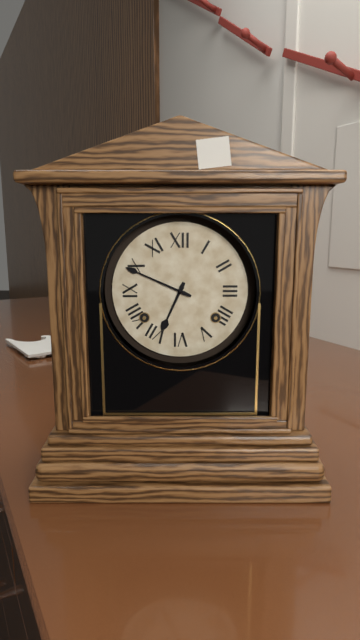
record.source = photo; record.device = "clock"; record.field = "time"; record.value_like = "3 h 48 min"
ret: 6 h 49 min
